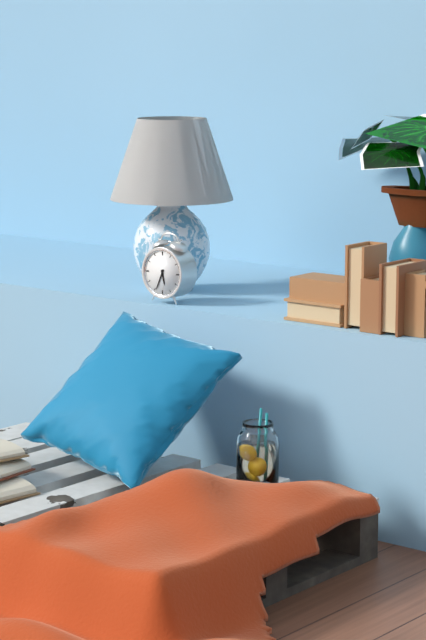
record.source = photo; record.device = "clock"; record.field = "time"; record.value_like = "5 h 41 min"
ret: 5 h 34 min
